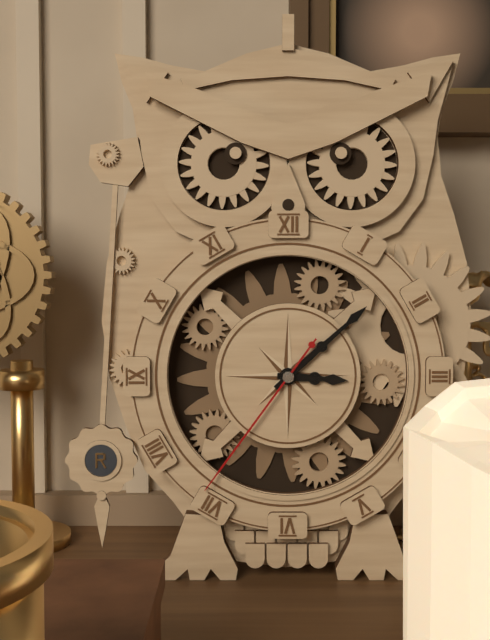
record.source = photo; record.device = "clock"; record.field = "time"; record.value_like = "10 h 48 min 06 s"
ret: 3 h 08 min 36 s
